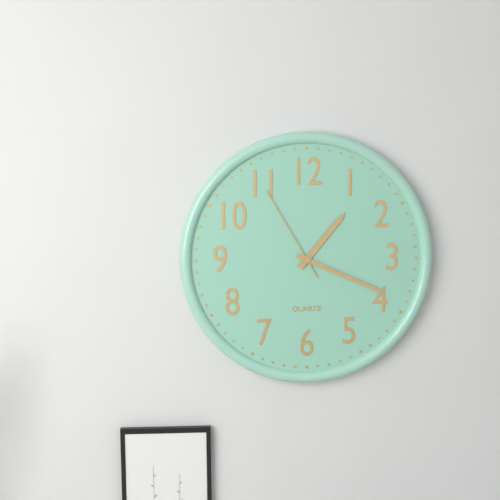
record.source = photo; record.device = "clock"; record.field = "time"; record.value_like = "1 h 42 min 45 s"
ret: 1 h 19 min 55 s
